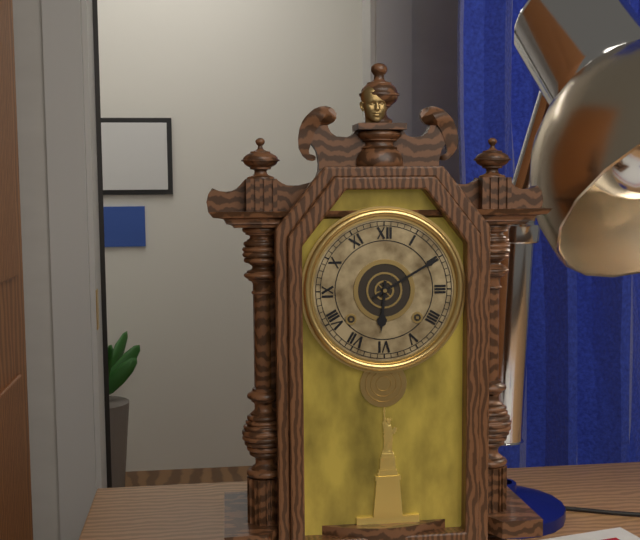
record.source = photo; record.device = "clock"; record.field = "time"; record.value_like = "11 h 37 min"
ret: 6 h 10 min
